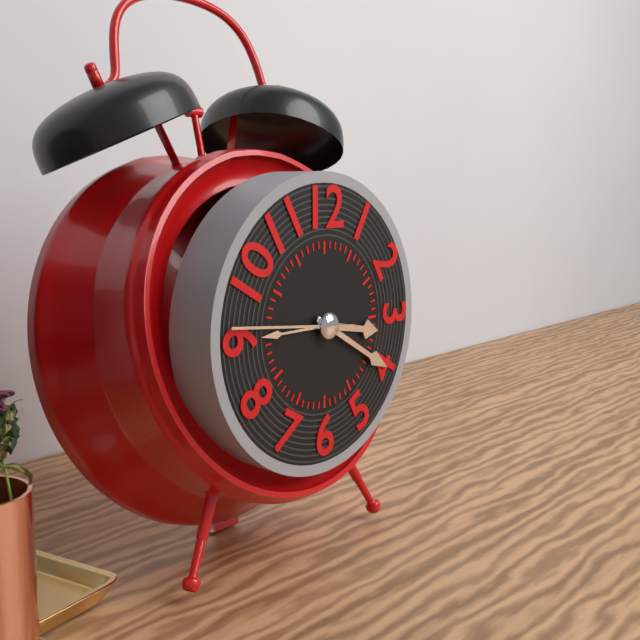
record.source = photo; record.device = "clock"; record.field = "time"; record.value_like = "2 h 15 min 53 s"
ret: 3 h 20 min 46 s
